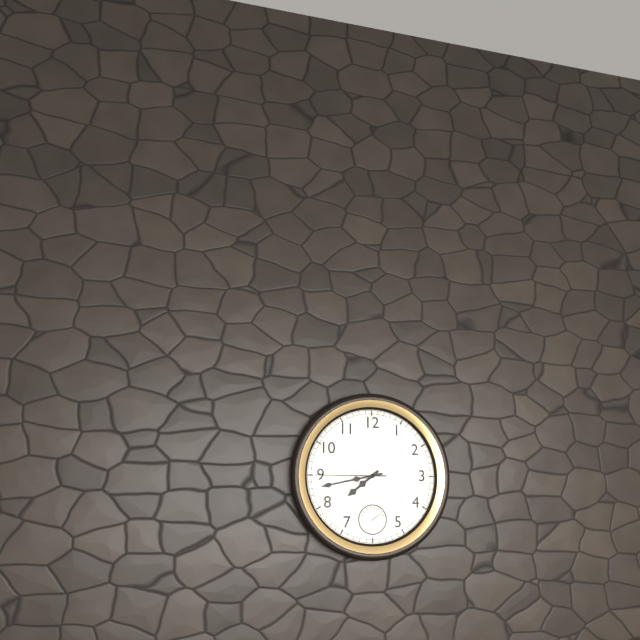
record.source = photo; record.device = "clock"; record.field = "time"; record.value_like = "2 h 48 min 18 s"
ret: 7 h 43 min 45 s
